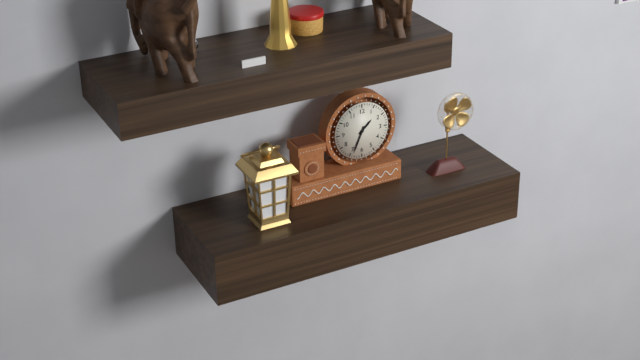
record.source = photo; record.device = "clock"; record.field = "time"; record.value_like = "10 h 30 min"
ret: 1 h 34 min
